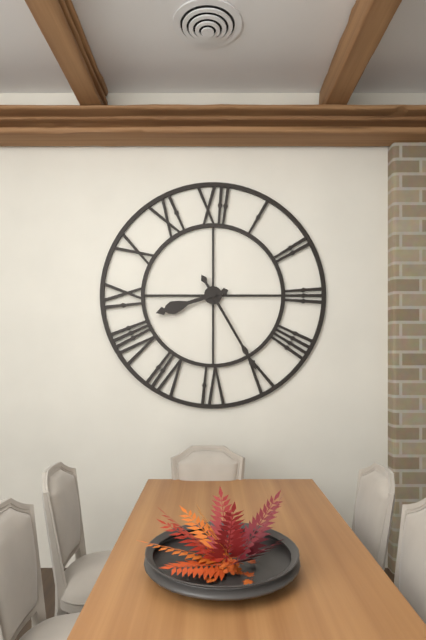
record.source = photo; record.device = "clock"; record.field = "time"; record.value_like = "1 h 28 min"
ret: 8 h 25 min
